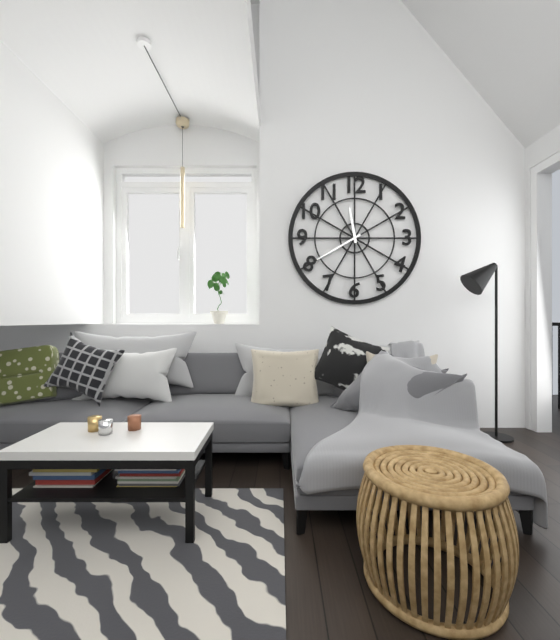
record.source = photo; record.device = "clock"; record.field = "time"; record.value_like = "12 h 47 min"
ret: 11 h 40 min
